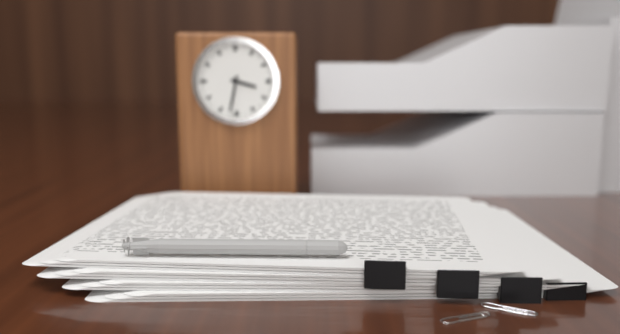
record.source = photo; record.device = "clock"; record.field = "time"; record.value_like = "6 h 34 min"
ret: 3 h 32 min
